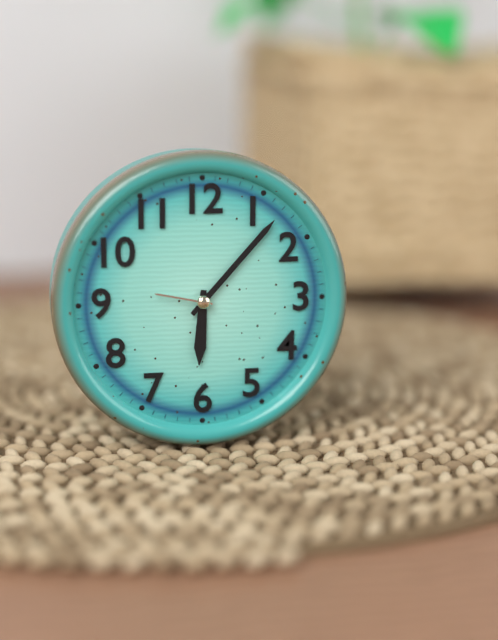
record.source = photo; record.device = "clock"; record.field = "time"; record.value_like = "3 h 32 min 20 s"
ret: 6 h 07 min 47 s
